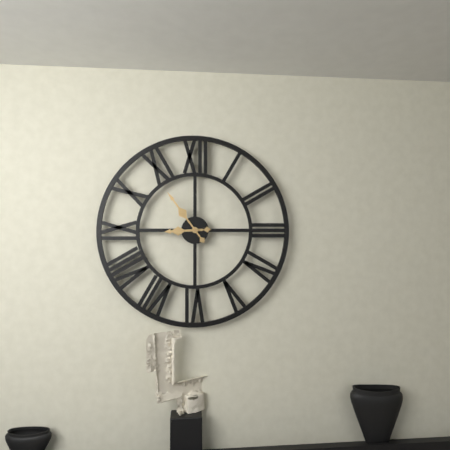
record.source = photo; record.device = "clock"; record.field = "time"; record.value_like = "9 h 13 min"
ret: 8 h 54 min
